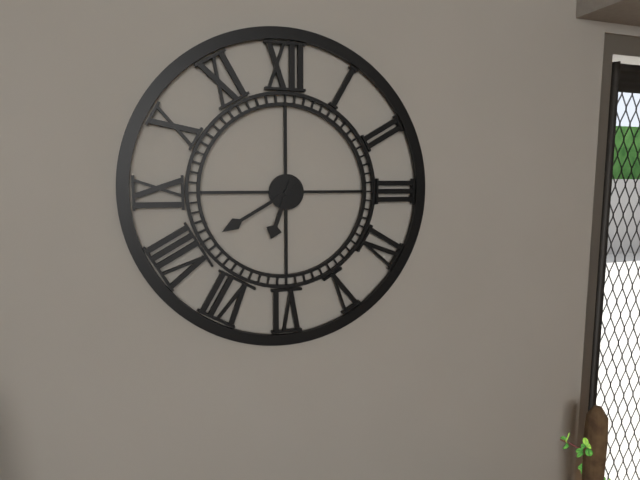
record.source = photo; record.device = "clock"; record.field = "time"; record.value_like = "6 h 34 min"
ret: 6 h 40 min
